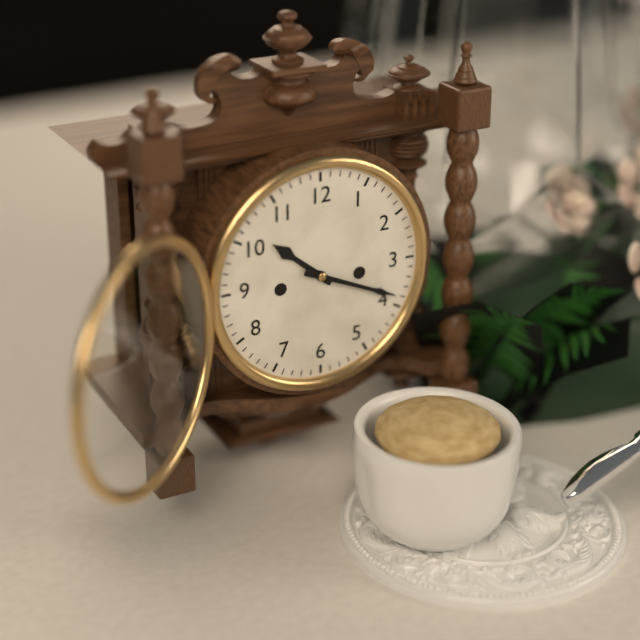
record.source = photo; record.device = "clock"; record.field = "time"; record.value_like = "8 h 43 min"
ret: 10 h 19 min
